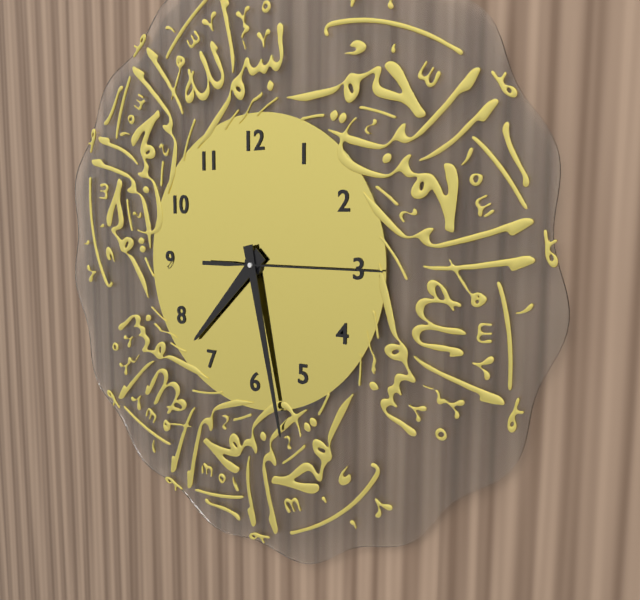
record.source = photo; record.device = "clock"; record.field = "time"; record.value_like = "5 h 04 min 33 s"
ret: 7 h 28 min 15 s
